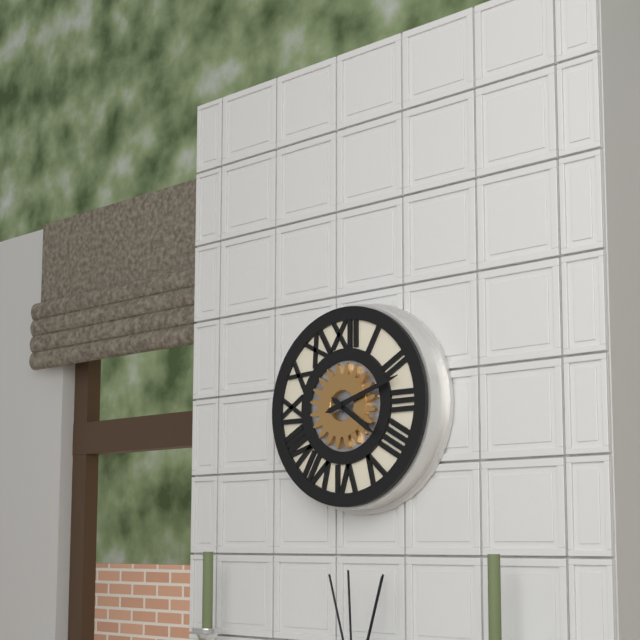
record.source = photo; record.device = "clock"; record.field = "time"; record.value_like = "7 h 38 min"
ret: 4 h 12 min
